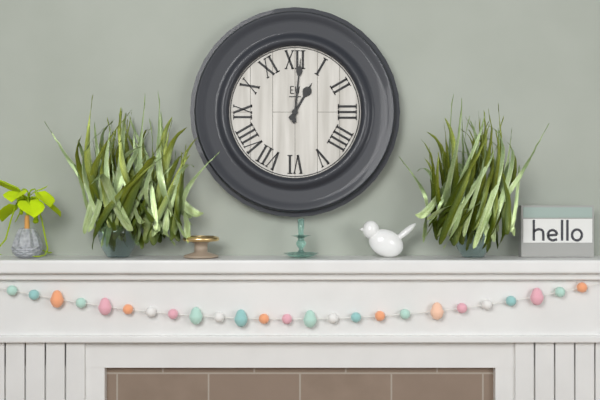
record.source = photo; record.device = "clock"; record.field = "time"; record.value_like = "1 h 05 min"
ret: 1 h 01 min
